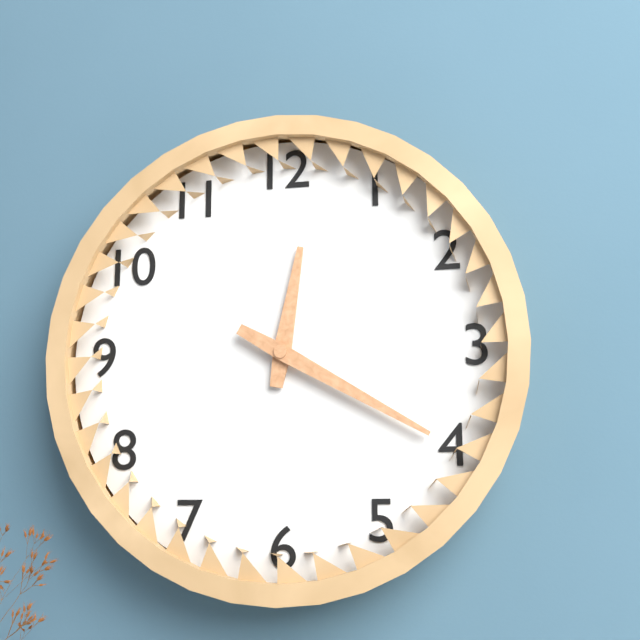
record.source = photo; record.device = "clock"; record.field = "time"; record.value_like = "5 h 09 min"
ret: 12 h 20 min
